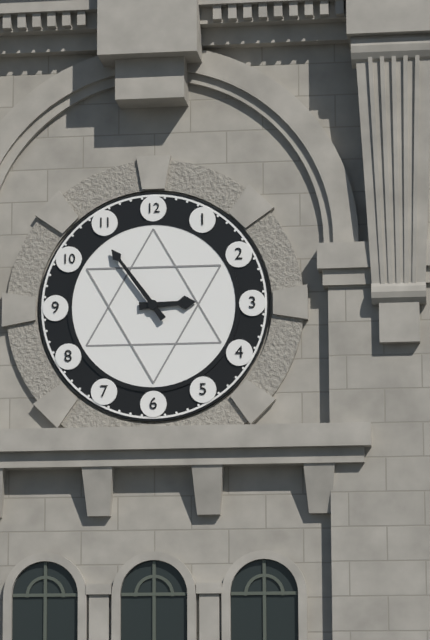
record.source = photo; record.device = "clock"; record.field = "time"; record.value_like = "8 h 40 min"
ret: 2 h 54 min
